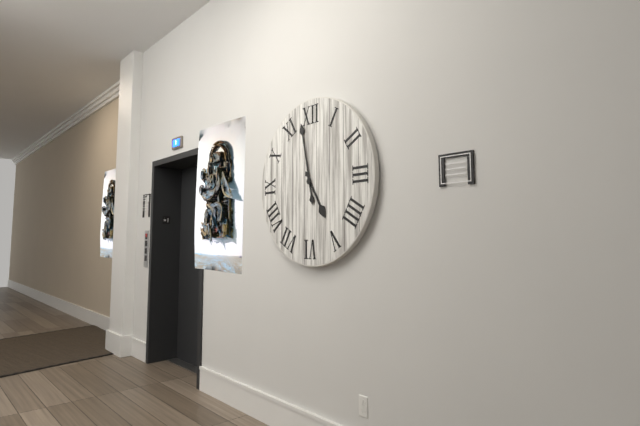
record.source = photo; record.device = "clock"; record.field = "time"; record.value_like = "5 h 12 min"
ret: 4 h 58 min
